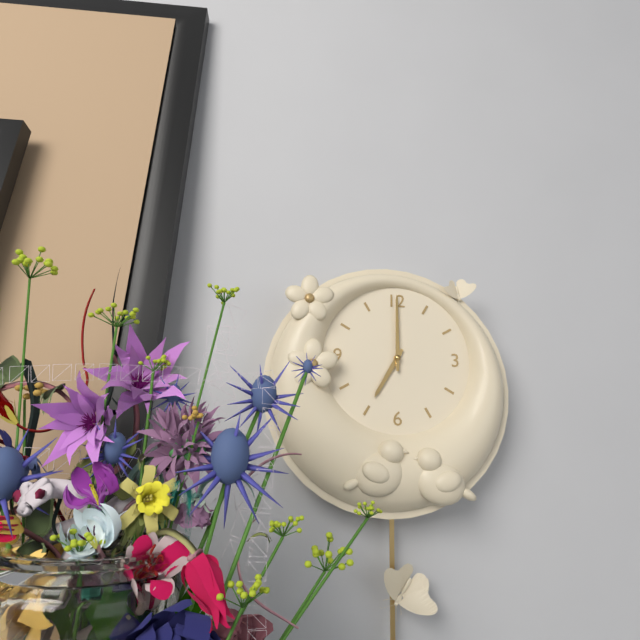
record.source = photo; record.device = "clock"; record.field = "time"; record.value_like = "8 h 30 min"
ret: 7 h 00 min
